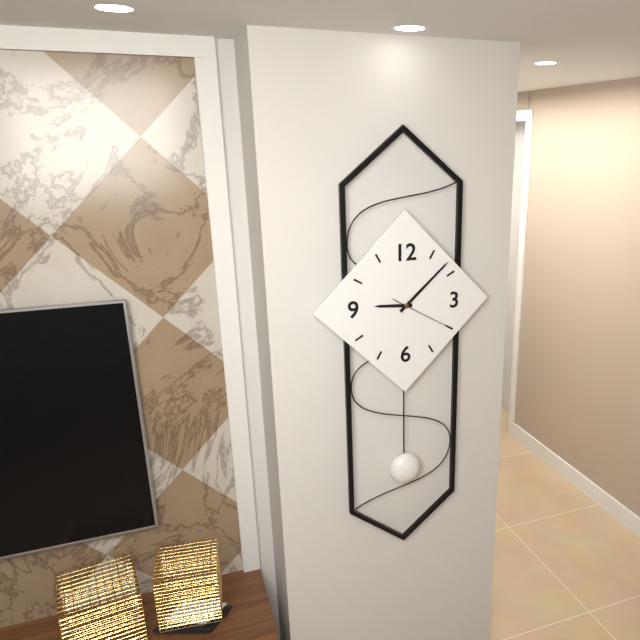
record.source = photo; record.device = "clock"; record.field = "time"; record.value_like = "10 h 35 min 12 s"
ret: 9 h 08 min 20 s
